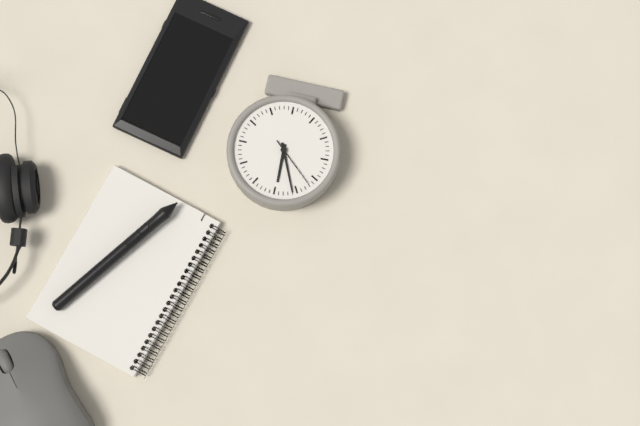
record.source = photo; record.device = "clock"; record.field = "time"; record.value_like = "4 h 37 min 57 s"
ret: 11 h 56 min 52 s
